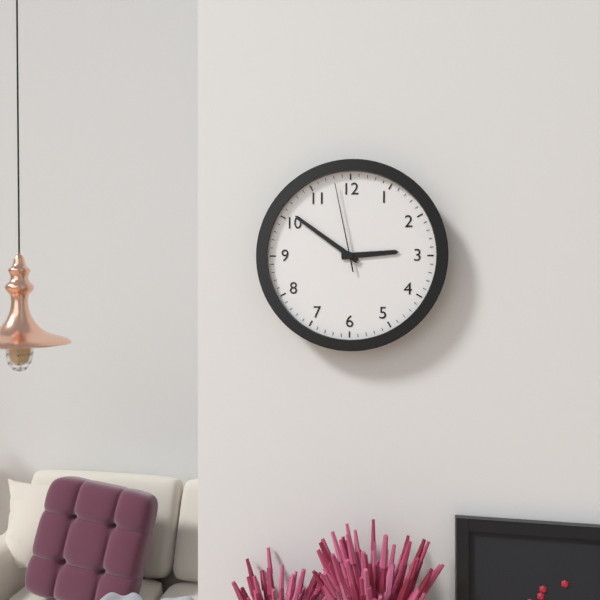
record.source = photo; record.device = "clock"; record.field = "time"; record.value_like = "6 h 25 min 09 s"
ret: 2 h 51 min 58 s
